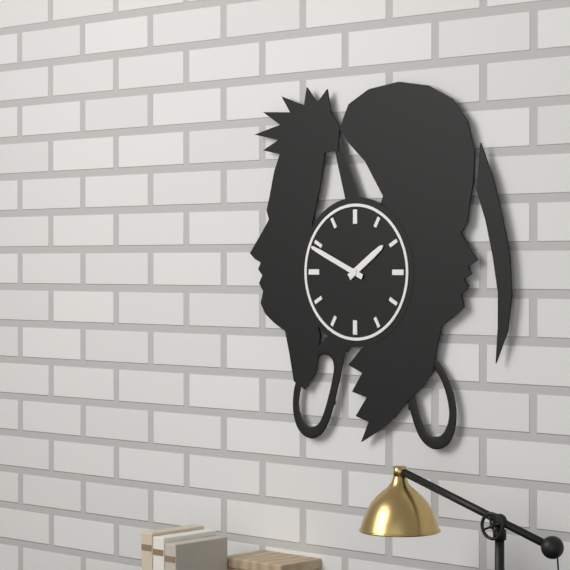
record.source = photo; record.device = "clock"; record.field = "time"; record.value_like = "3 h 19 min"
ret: 1 h 49 min
